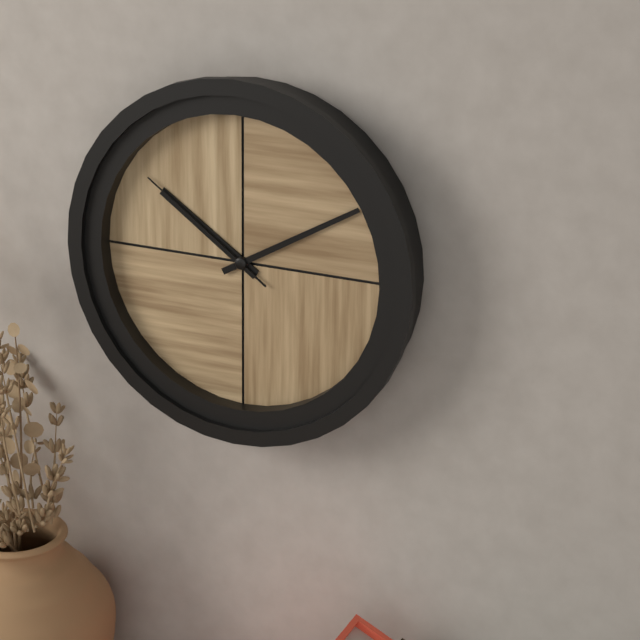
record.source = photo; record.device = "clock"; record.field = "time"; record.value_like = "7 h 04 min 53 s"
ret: 10 h 10 min 51 s
